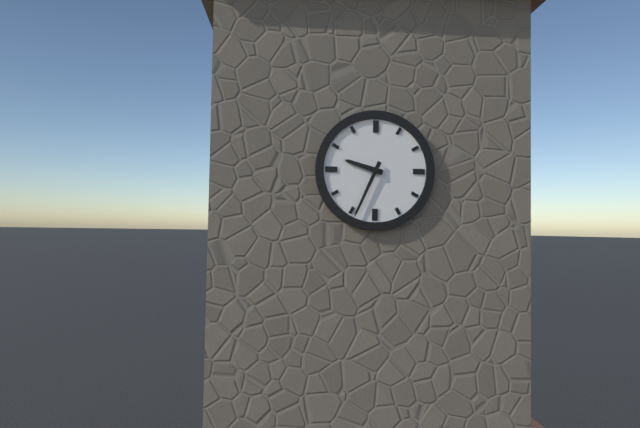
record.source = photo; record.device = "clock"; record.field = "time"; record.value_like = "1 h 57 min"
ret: 9 h 34 min
